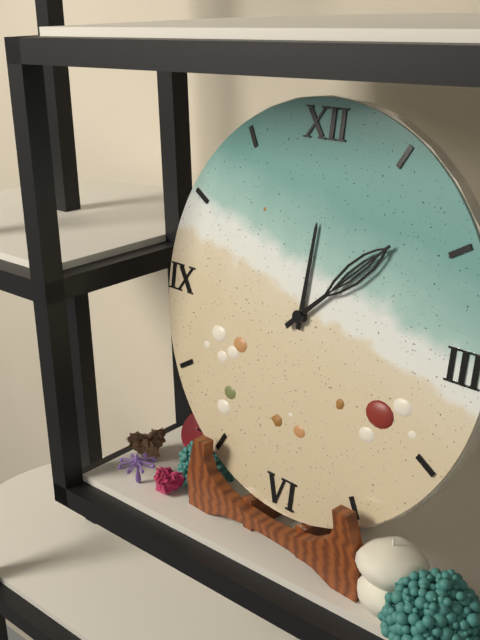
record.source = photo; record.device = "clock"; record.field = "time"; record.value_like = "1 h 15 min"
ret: 12 h 08 min
